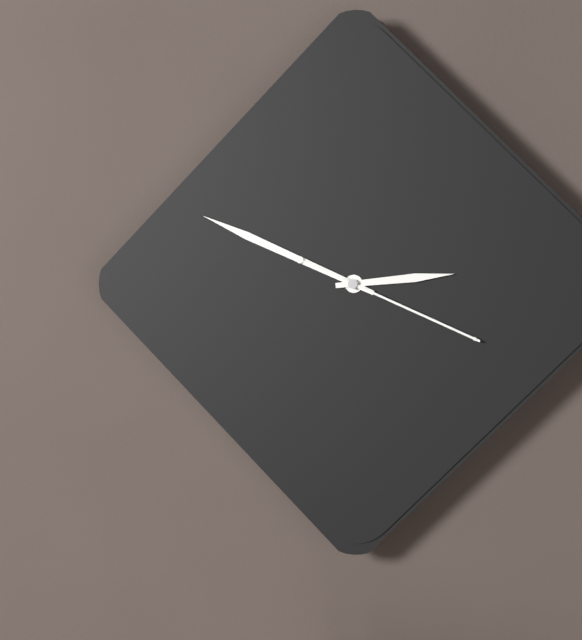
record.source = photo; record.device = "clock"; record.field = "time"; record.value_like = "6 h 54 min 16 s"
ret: 2 h 49 min 19 s
